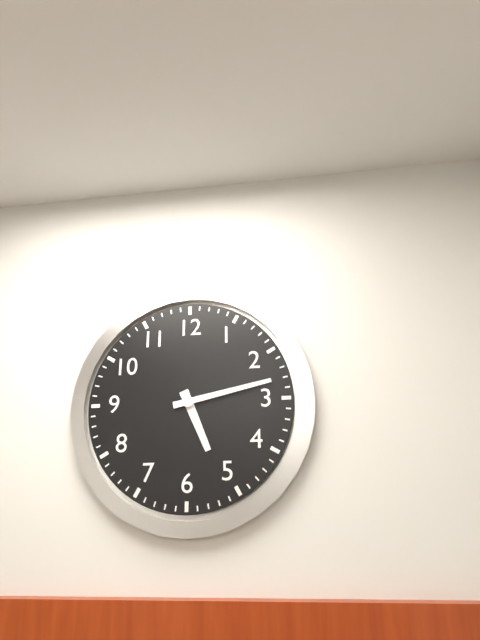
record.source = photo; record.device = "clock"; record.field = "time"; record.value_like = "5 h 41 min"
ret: 5 h 13 min
